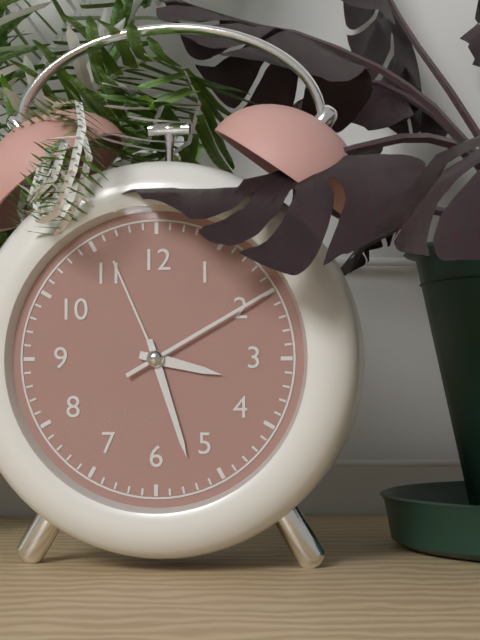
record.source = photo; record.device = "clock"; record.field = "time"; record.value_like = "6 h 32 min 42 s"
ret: 3 h 27 min 10 s
